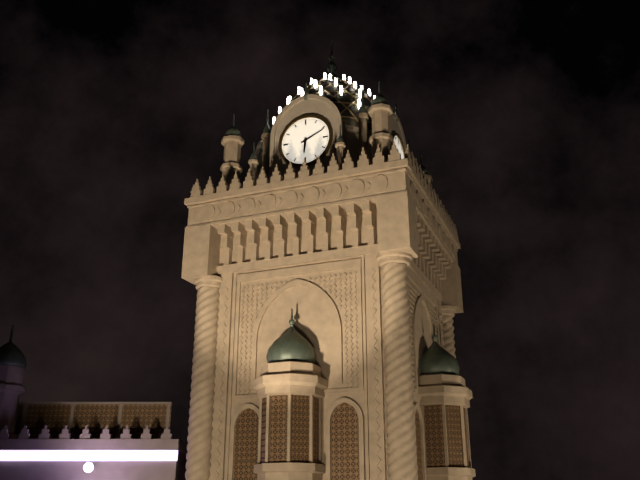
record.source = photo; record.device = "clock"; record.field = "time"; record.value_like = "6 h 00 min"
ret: 6 h 11 min
